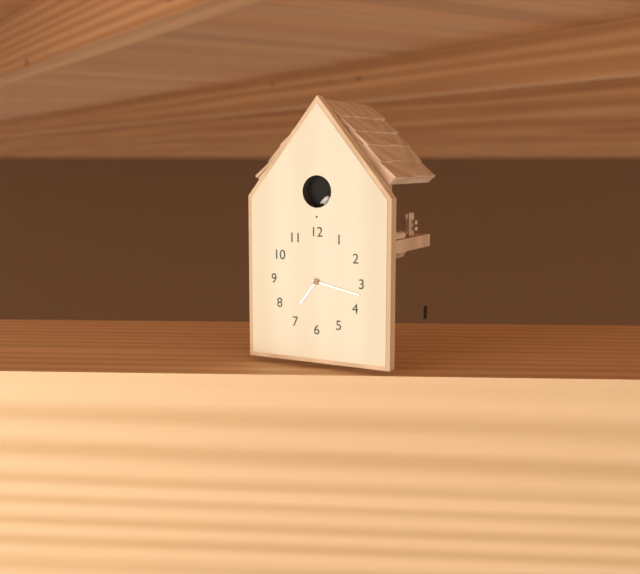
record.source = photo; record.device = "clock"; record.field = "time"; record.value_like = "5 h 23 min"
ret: 7 h 17 min
